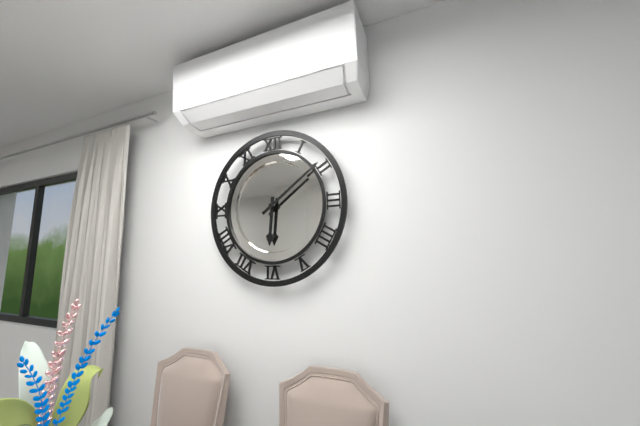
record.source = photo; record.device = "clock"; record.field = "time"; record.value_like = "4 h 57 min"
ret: 6 h 09 min
